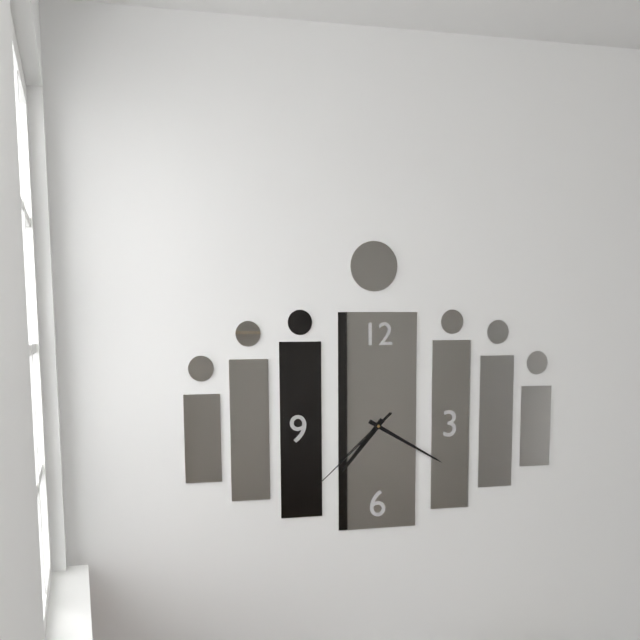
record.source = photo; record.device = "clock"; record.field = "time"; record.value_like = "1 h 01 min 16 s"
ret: 7 h 20 min 38 s
